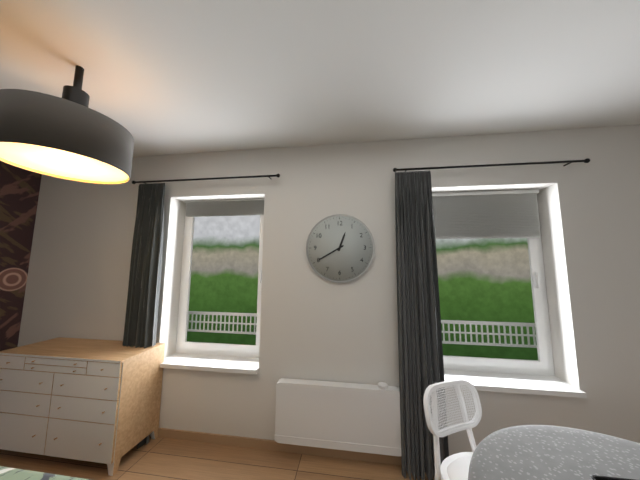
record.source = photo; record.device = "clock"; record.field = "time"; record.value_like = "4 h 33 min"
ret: 12 h 40 min
